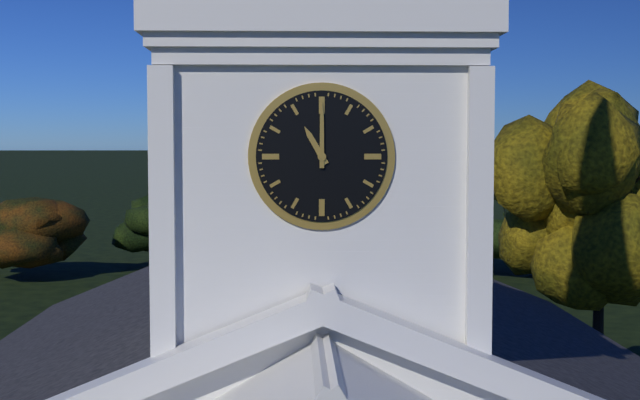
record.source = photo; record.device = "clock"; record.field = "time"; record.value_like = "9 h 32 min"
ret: 11 h 00 min
